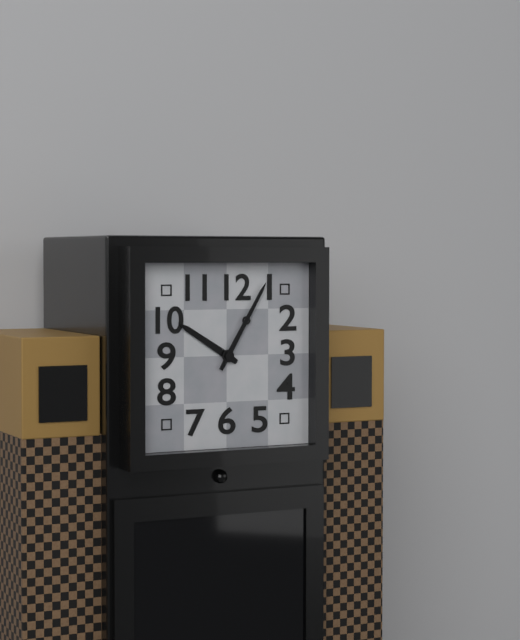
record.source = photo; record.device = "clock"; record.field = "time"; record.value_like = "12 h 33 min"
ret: 10 h 05 min
